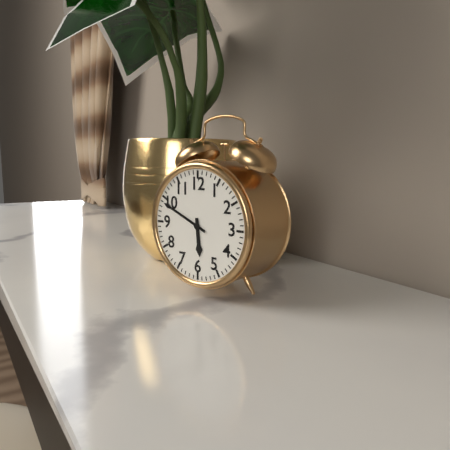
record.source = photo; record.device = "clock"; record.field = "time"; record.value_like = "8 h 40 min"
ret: 5 h 49 min
